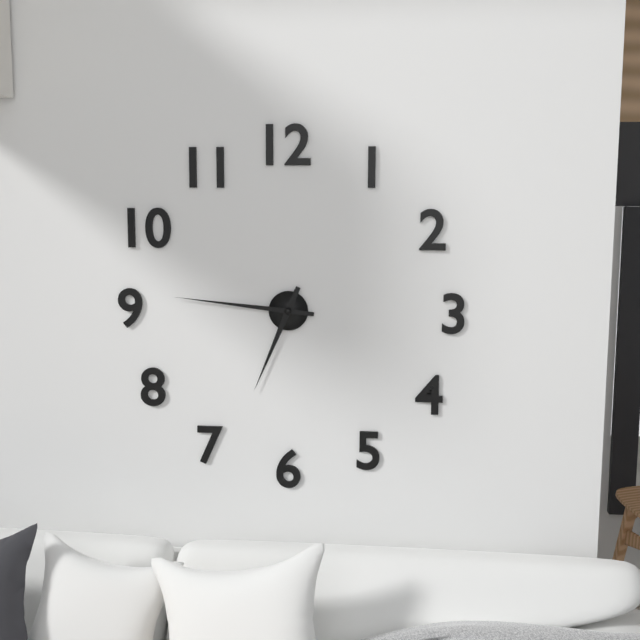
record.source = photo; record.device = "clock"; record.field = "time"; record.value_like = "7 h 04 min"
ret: 6 h 46 min
